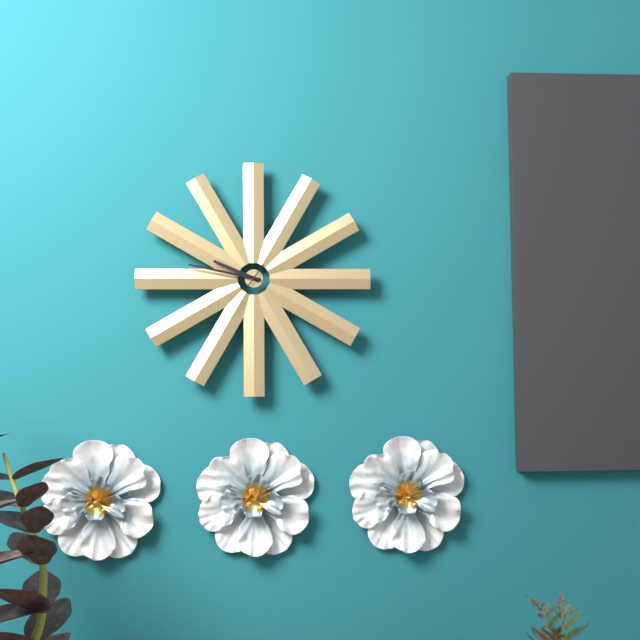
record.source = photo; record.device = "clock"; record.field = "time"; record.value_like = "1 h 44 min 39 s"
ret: 9 h 47 min 36 s
